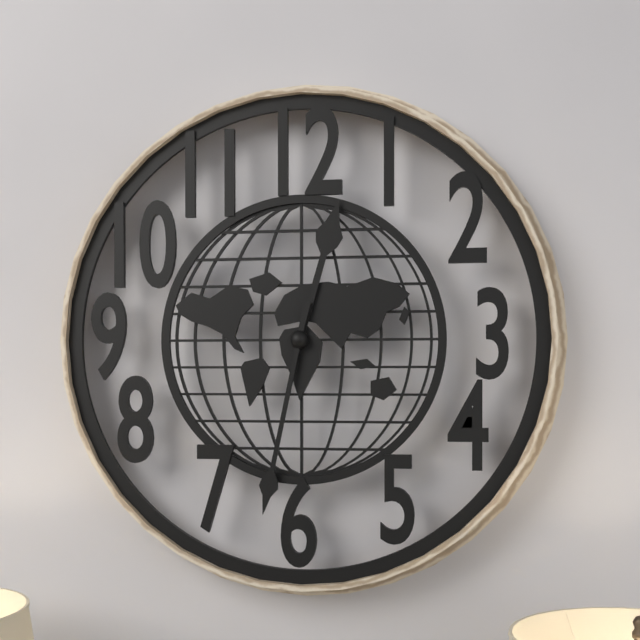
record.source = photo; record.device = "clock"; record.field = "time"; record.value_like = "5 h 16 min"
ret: 12 h 32 min
